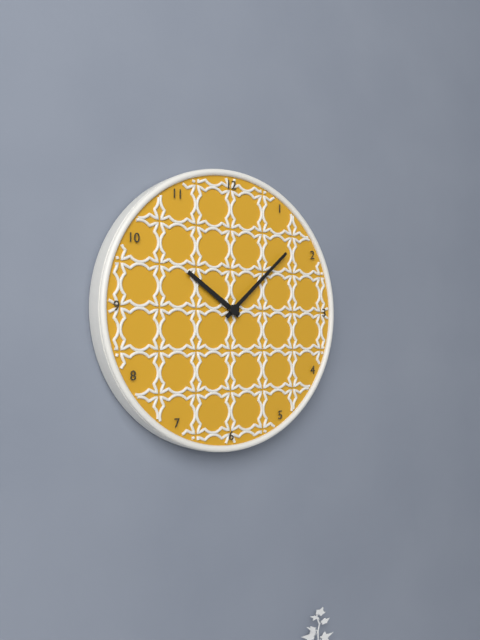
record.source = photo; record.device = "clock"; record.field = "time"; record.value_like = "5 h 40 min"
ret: 10 h 08 min
